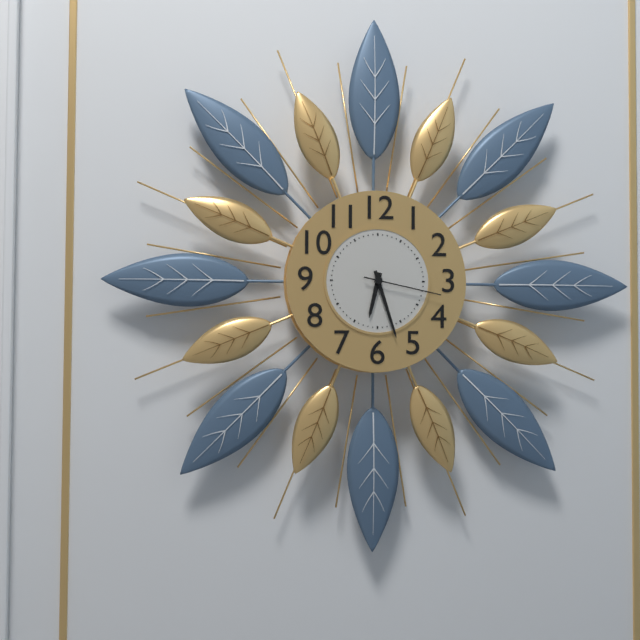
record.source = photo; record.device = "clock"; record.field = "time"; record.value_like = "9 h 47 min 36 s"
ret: 6 h 27 min 17 s
